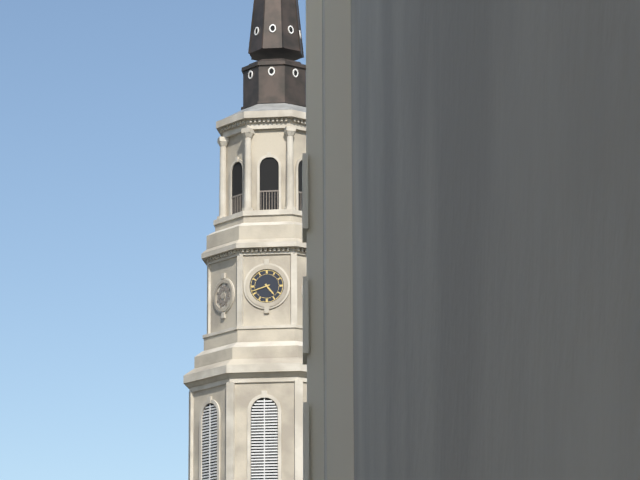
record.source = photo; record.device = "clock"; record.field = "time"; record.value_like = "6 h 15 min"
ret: 4 h 42 min
